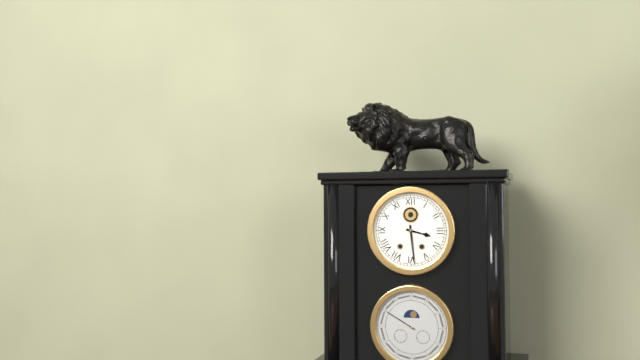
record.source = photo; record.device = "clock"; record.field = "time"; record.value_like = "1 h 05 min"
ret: 3 h 29 min
